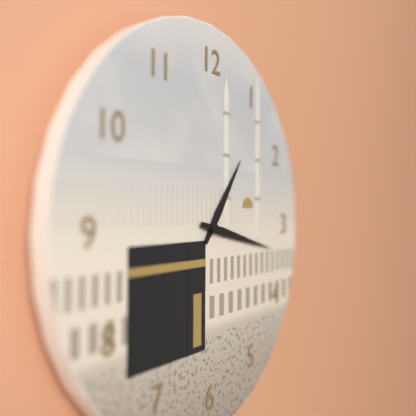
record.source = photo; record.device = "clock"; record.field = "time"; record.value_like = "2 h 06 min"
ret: 1 h 17 min
